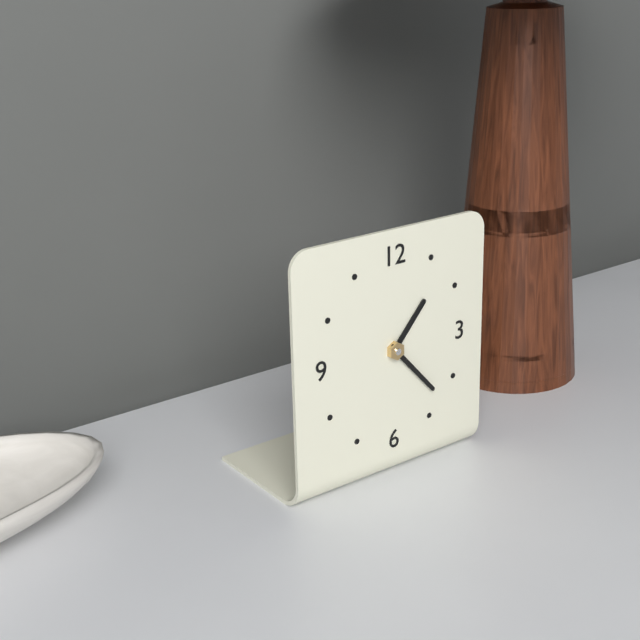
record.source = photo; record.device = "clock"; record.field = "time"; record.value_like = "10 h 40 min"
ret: 1 h 23 min
